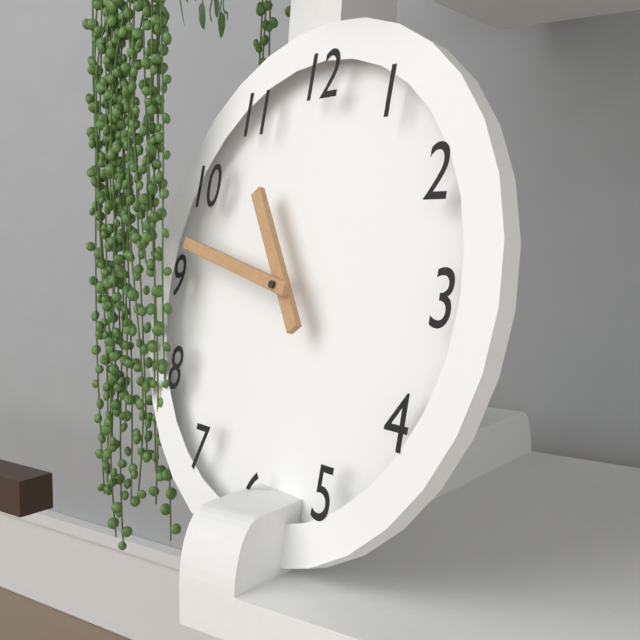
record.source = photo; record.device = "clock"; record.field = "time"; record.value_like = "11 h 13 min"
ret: 10 h 47 min
